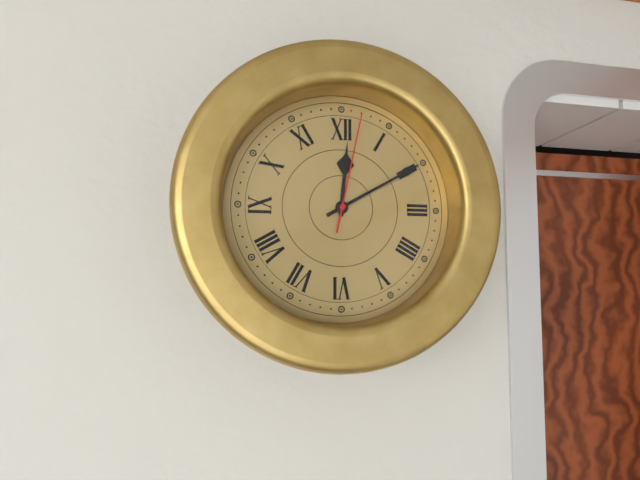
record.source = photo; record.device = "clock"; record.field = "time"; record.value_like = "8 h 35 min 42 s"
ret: 12 h 10 min 02 s
